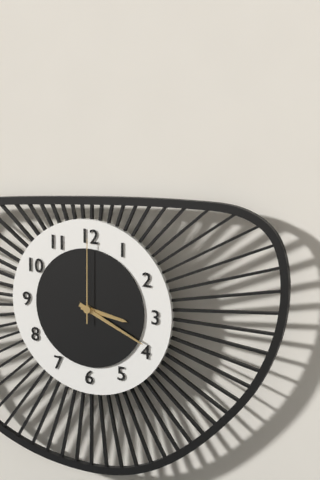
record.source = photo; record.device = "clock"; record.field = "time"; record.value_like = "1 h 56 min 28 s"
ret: 3 h 19 min 00 s
